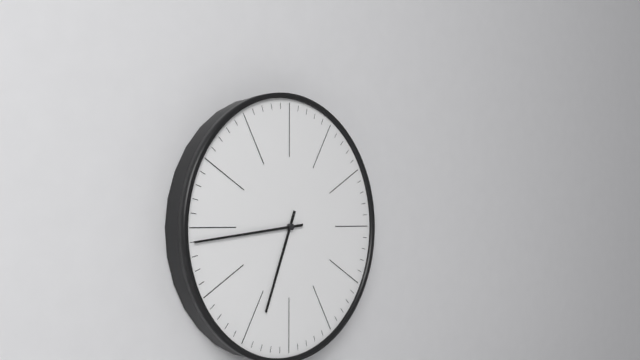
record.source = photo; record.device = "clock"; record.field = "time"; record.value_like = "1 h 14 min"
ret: 6 h 44 min
